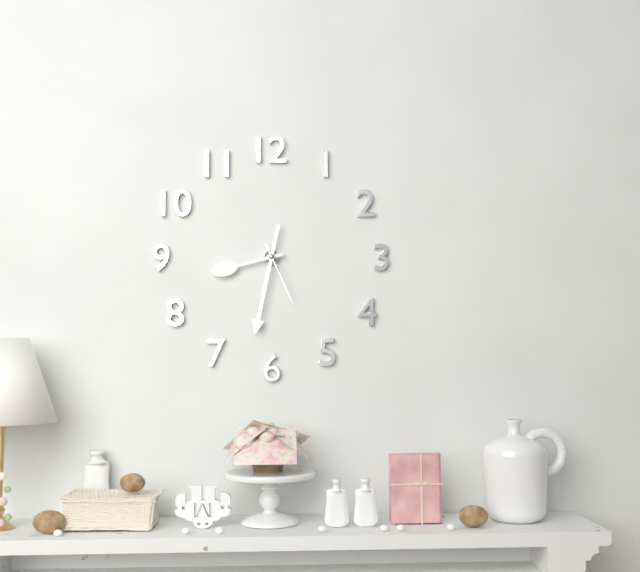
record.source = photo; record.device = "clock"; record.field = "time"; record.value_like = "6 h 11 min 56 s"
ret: 8 h 32 min 26 s
